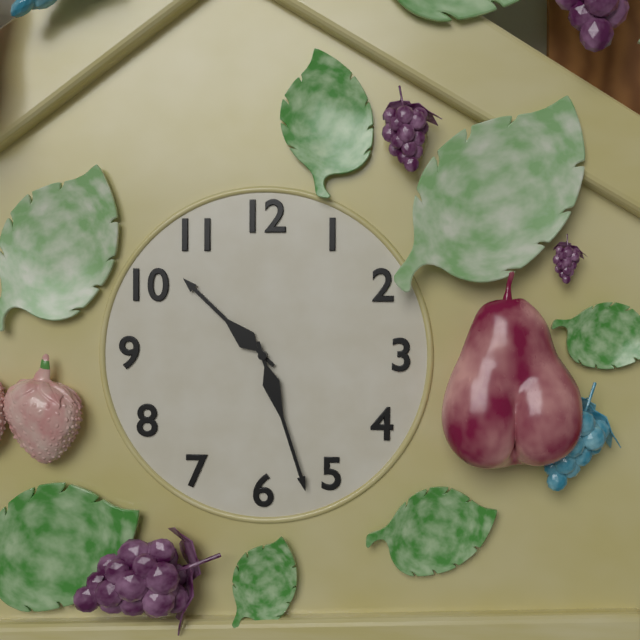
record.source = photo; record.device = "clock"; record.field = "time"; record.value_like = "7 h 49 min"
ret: 10 h 27 min
